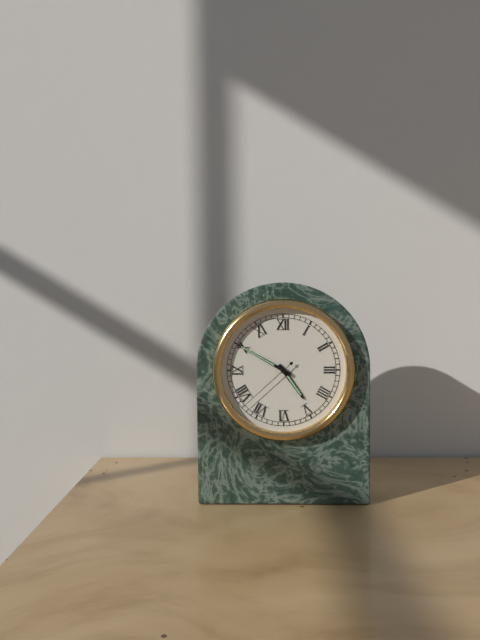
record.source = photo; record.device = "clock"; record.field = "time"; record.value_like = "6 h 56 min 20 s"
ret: 4 h 50 min 38 s
